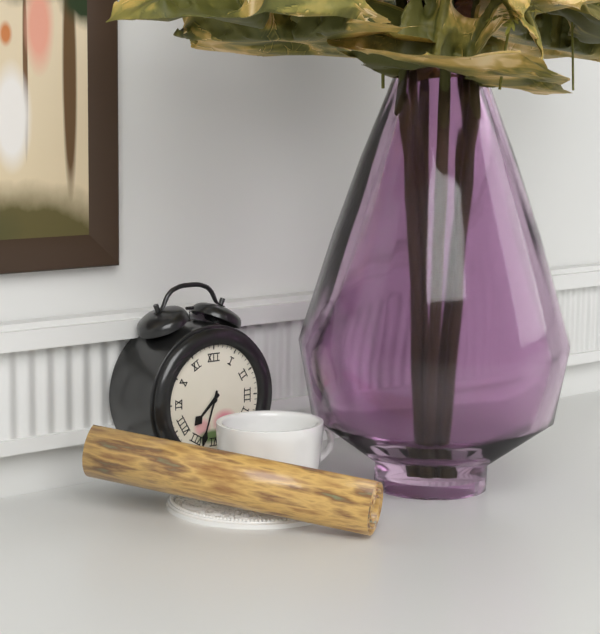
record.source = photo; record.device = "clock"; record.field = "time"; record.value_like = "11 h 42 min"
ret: 7 h 33 min
